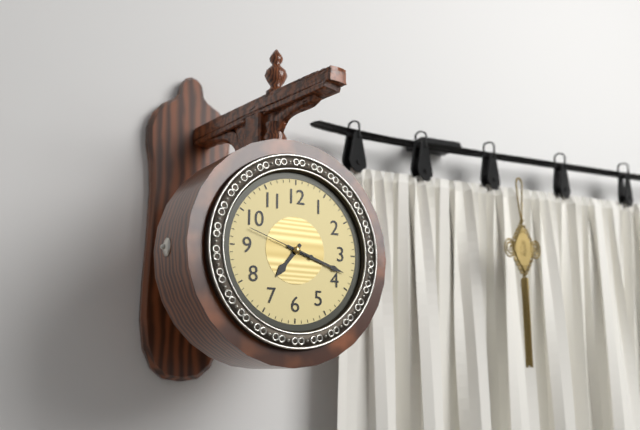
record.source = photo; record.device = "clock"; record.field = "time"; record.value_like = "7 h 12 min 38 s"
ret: 7 h 18 min 48 s
